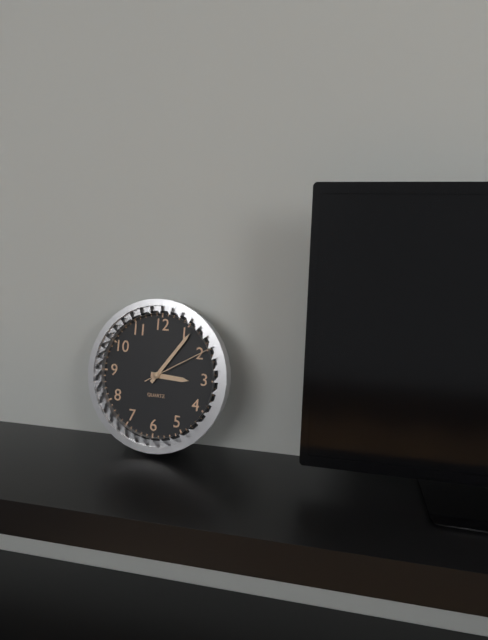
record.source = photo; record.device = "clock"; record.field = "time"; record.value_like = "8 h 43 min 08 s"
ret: 3 h 06 min 10 s
